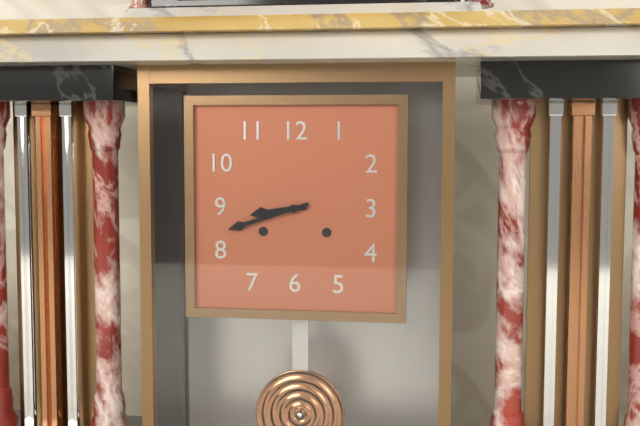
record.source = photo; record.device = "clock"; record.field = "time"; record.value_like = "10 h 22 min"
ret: 8 h 42 min
